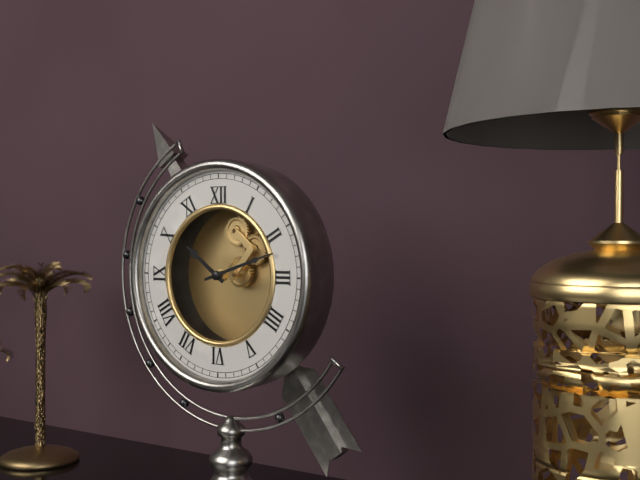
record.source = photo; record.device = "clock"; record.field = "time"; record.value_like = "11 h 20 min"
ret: 10 h 12 min
